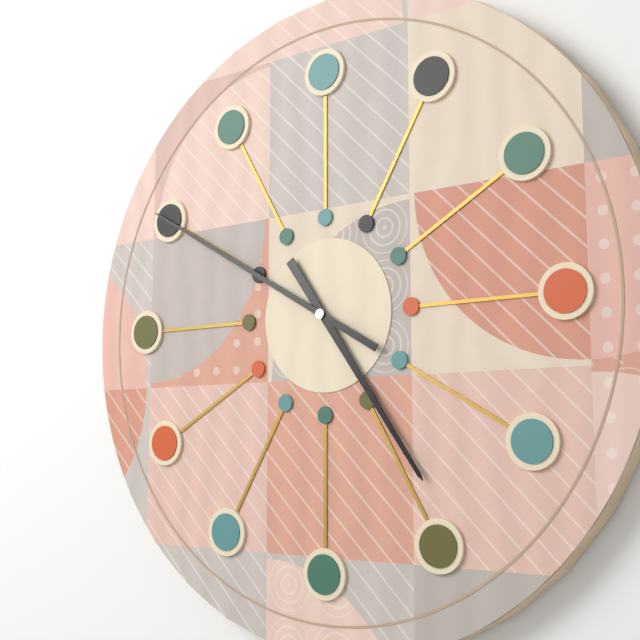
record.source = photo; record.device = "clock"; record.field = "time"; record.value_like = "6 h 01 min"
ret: 4 h 50 min
